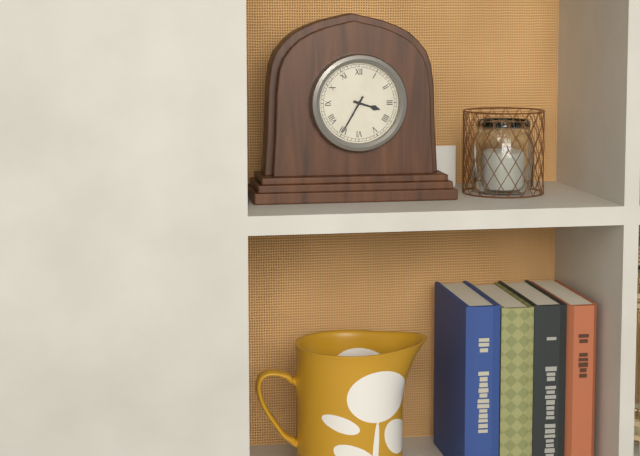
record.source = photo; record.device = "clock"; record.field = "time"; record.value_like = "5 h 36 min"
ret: 3 h 35 min
